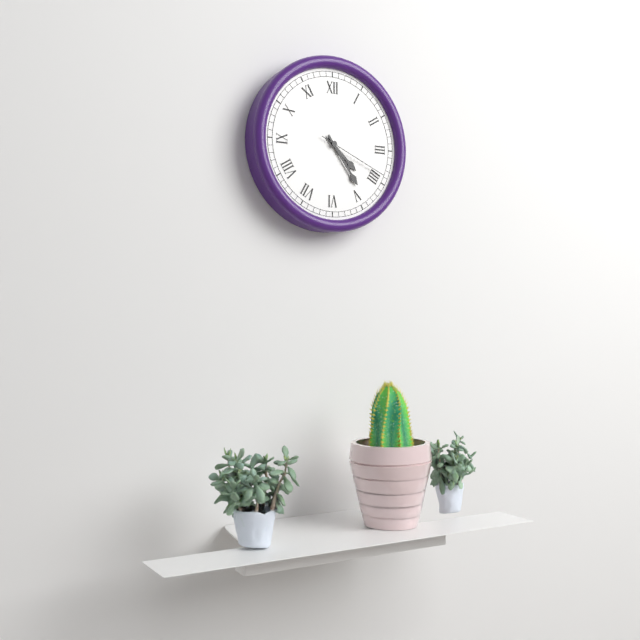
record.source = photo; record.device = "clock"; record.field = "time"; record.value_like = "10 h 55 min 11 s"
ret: 4 h 24 min 19 s
